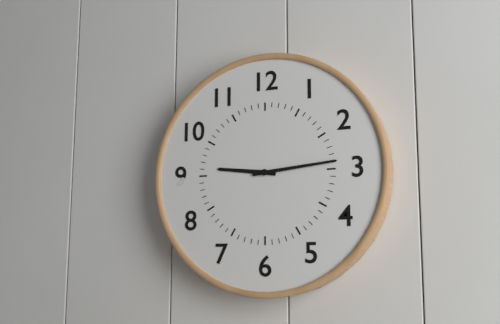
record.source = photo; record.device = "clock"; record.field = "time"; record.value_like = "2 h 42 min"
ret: 9 h 14 min
